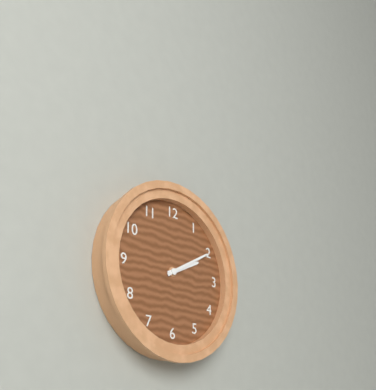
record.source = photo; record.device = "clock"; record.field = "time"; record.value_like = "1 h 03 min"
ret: 2 h 10 min
